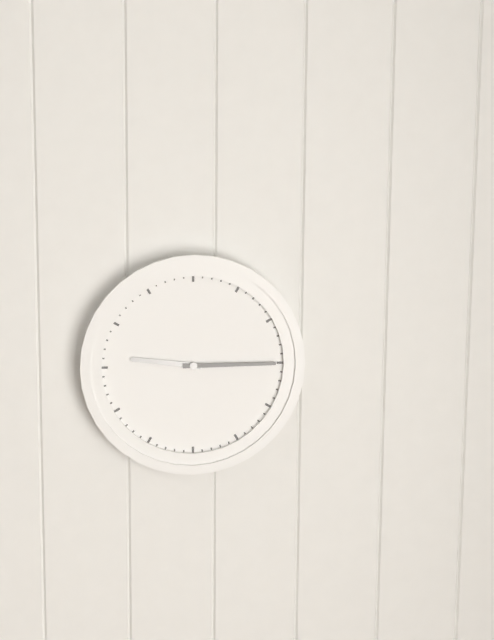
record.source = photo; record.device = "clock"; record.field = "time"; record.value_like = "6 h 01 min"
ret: 9 h 15 min
